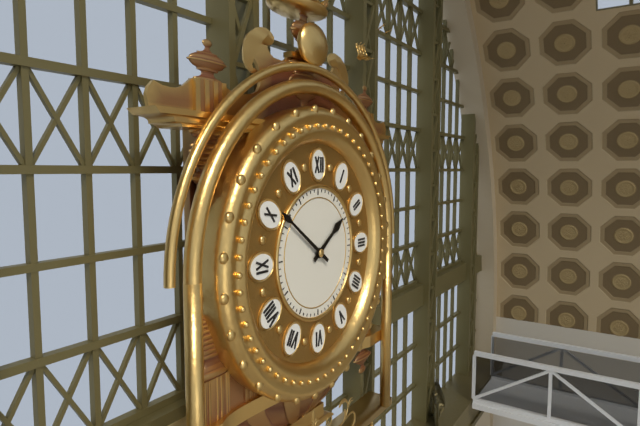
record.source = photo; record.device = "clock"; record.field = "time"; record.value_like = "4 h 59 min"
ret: 1 h 51 min
